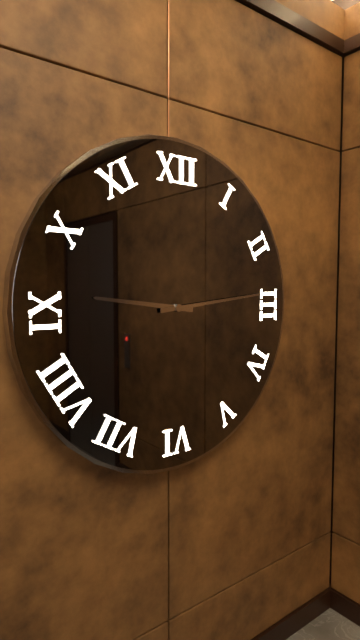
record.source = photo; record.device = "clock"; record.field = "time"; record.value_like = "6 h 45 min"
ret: 9 h 14 min
